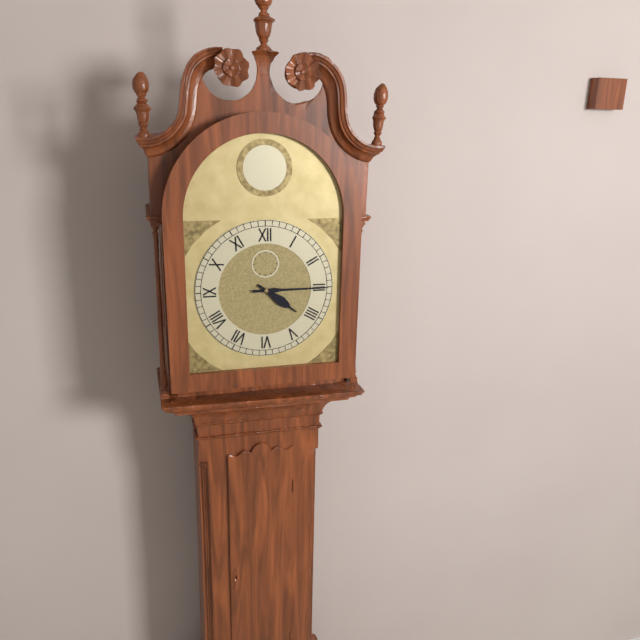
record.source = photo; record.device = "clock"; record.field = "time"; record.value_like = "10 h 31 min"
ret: 4 h 15 min
